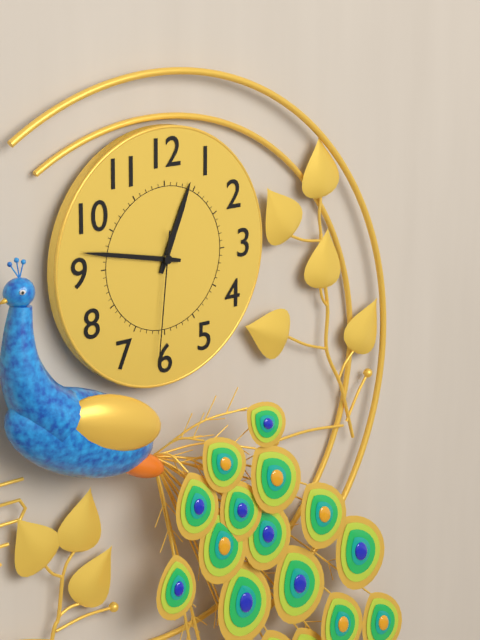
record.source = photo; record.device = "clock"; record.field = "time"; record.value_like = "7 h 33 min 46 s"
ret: 12 h 47 min 31 s
